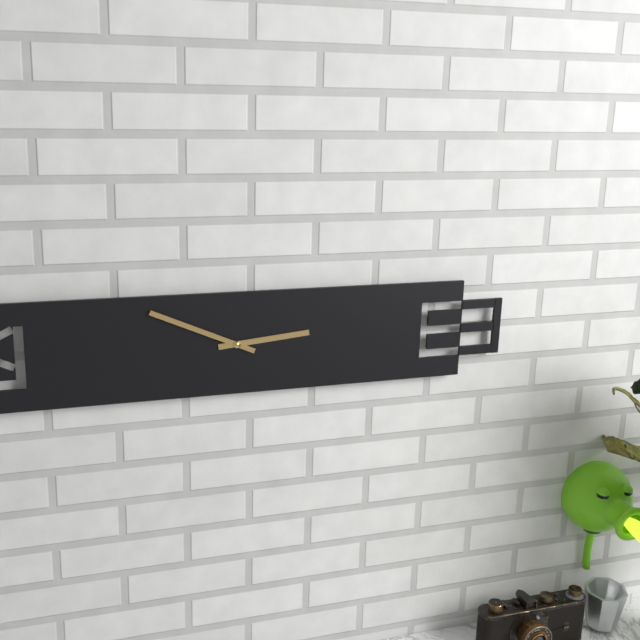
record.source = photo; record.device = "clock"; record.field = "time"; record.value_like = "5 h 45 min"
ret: 2 h 49 min
